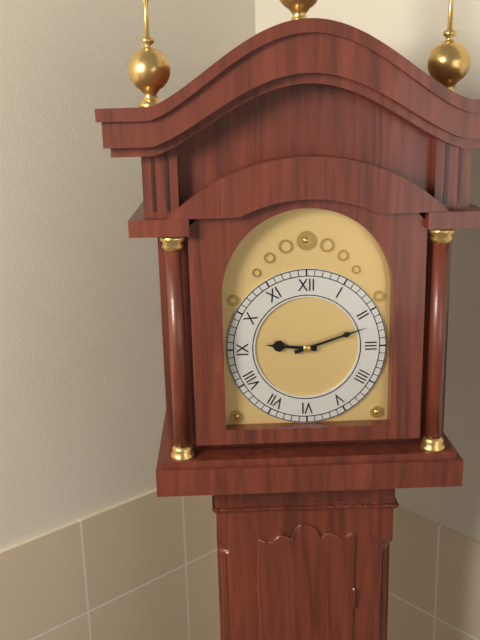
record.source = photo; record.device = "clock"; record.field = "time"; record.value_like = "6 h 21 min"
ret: 9 h 12 min
